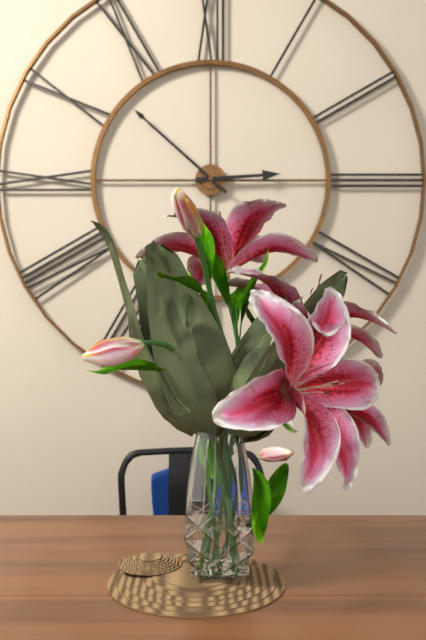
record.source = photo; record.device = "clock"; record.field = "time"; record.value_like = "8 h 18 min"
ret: 2 h 52 min
